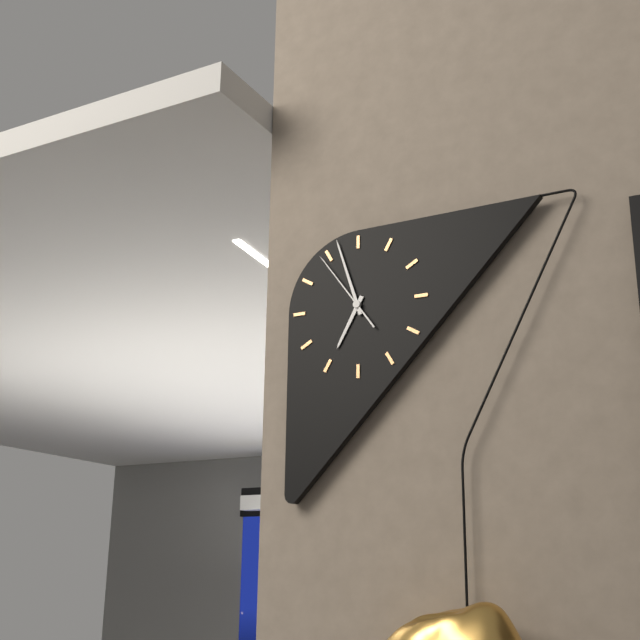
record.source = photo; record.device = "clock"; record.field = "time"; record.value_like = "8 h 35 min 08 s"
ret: 6 h 57 min 54 s
